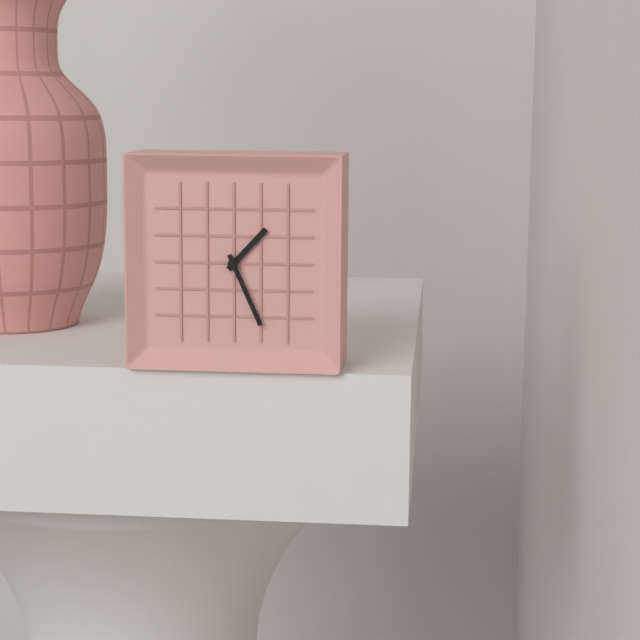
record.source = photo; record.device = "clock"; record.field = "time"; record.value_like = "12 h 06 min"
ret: 1 h 26 min
